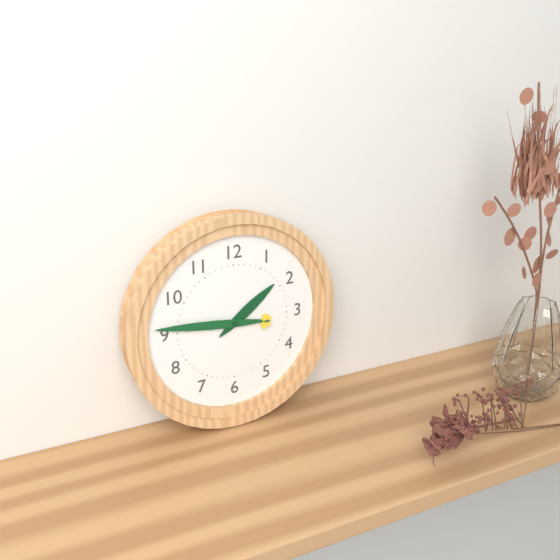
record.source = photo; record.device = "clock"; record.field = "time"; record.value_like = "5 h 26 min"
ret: 1 h 46 min
